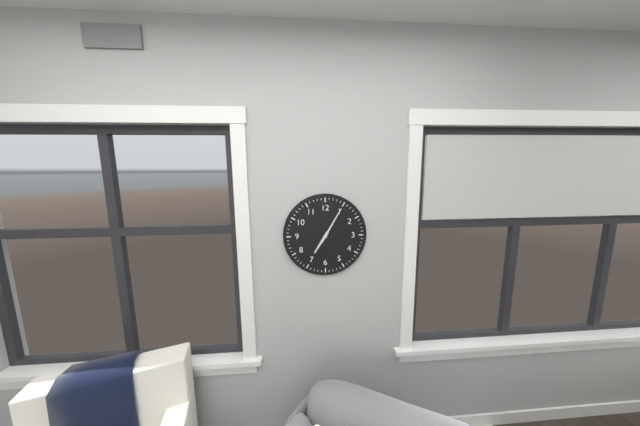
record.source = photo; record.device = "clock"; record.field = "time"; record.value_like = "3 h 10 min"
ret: 7 h 05 min
